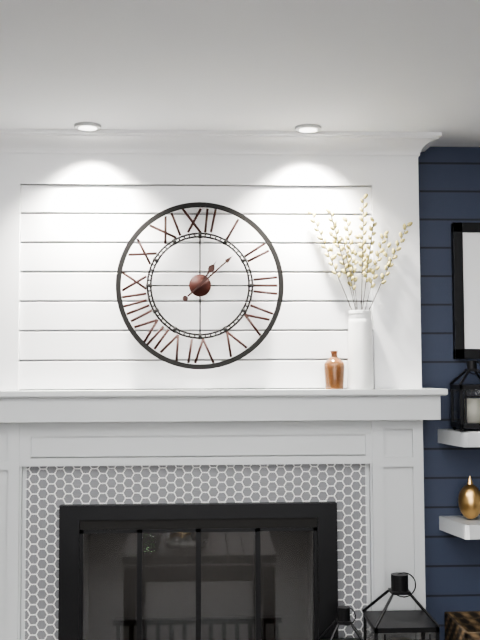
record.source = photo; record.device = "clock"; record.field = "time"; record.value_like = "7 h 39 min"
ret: 1 h 08 min
